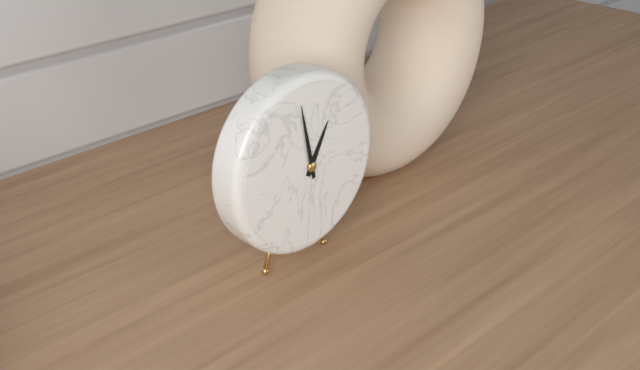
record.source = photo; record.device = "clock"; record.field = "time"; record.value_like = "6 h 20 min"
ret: 12 h 58 min
